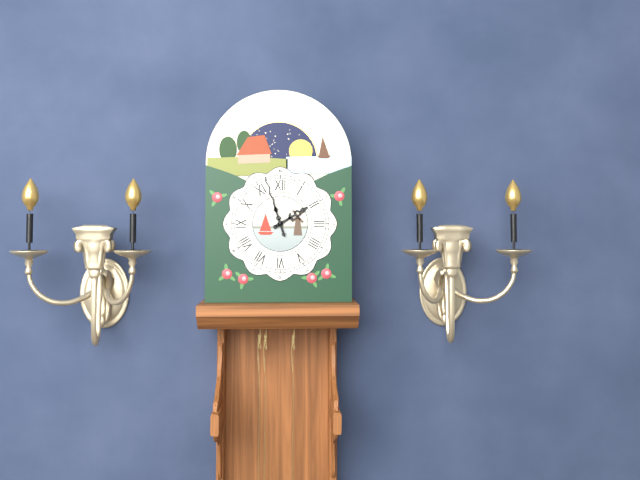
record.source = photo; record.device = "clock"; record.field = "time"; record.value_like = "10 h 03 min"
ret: 1 h 57 min
